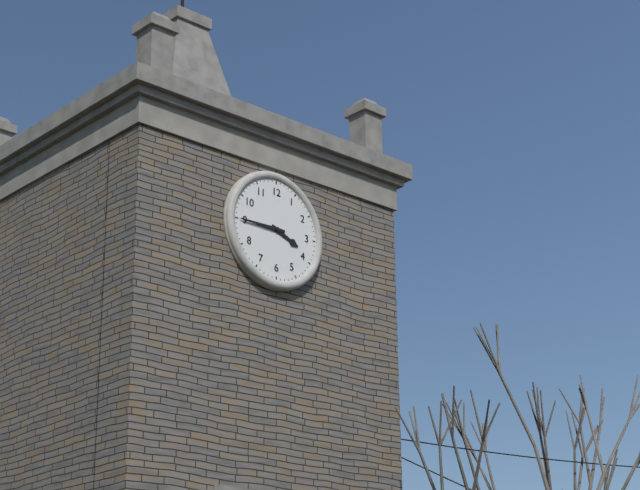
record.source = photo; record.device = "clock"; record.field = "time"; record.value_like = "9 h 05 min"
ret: 3 h 45 min
